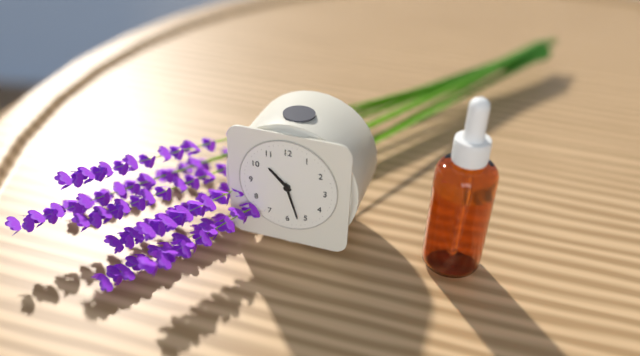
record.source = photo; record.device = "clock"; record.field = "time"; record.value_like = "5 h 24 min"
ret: 10 h 27 min
